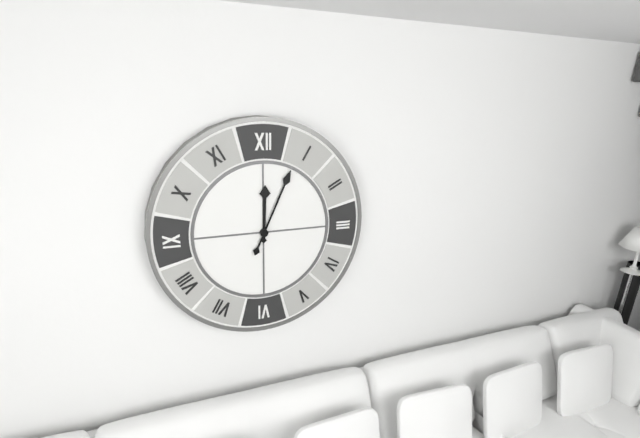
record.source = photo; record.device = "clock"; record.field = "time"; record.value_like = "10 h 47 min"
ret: 12 h 04 min
